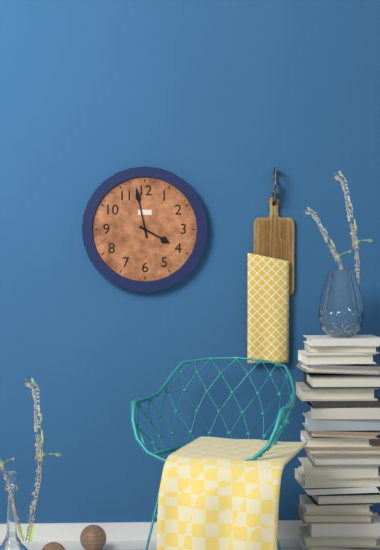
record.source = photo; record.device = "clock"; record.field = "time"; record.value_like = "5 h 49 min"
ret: 3 h 58 min
